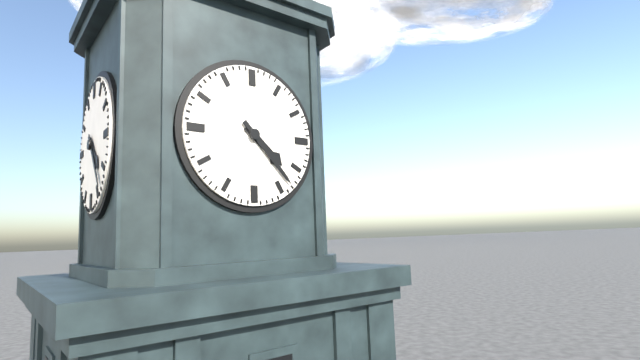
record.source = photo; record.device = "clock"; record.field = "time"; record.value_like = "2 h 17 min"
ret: 4 h 23 min
